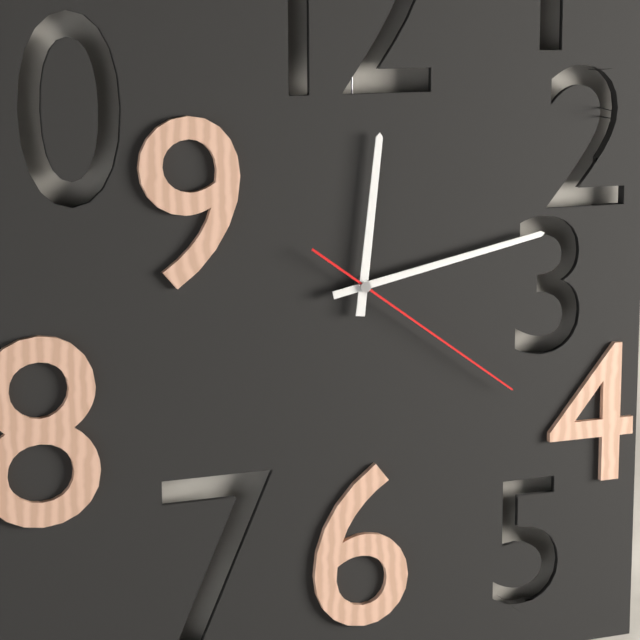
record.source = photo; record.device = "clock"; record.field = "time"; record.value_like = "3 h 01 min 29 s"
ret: 12 h 13 min 21 s
